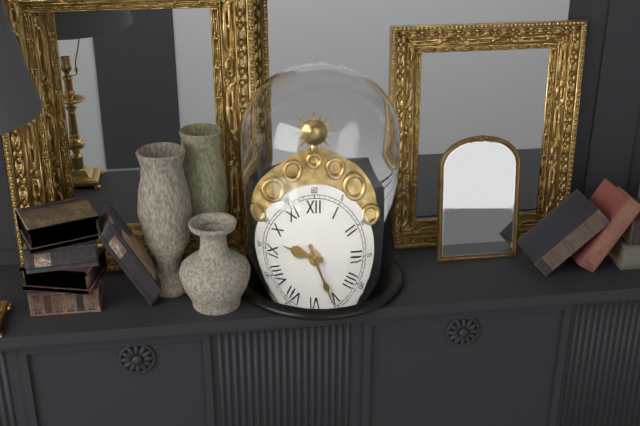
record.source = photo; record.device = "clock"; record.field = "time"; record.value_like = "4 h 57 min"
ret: 9 h 26 min
